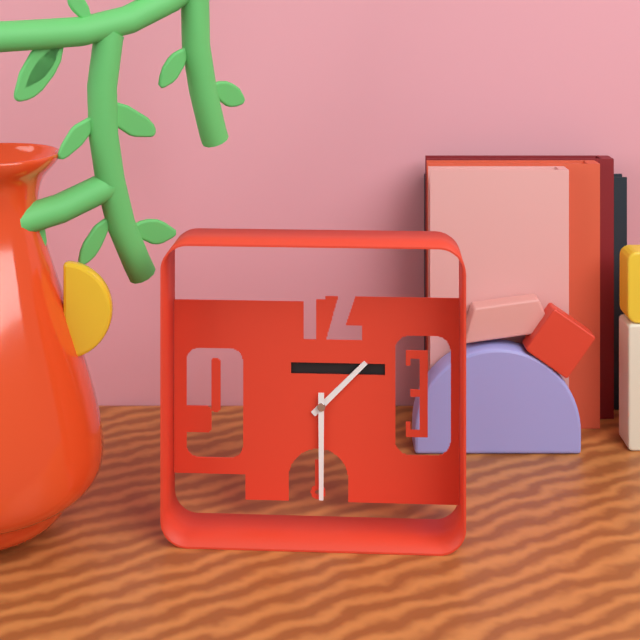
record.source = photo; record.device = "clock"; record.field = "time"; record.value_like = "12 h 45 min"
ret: 1 h 30 min
